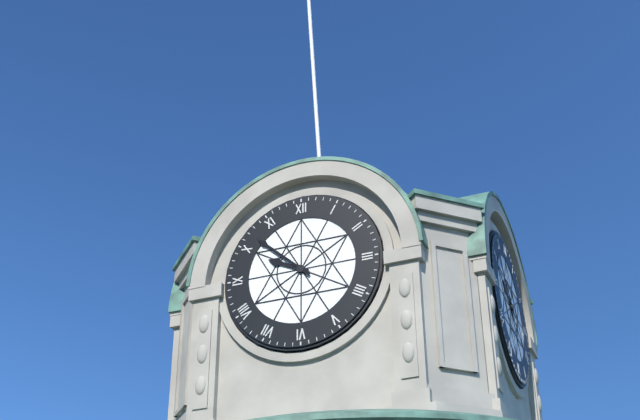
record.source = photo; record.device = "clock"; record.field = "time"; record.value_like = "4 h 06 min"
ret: 9 h 52 min
